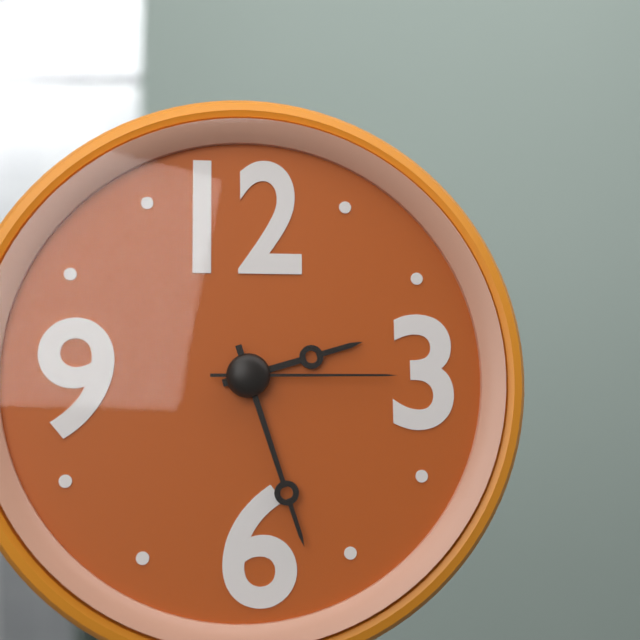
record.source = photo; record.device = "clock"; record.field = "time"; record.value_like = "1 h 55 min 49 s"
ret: 2 h 27 min 15 s
